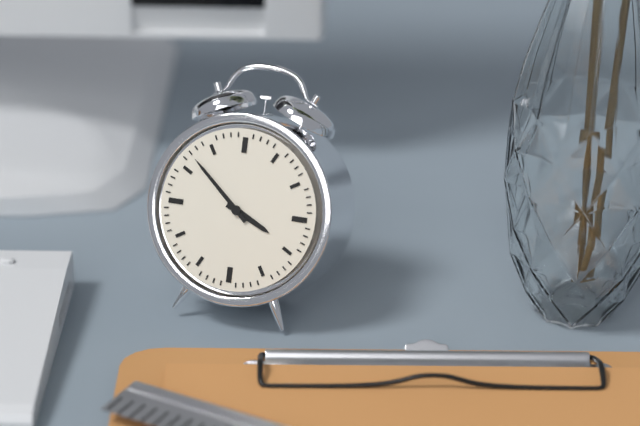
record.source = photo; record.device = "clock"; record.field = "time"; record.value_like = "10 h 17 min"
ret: 3 h 52 min
